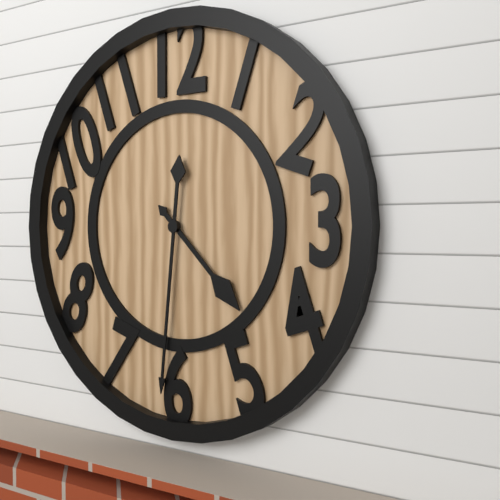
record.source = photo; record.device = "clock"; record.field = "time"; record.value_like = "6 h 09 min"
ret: 4 h 31 min
